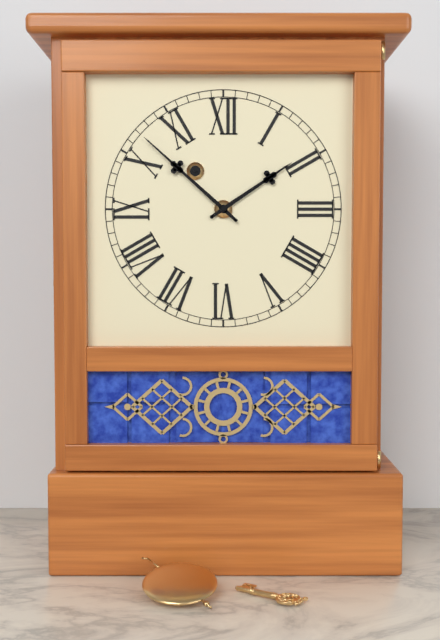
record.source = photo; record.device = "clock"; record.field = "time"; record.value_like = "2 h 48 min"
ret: 1 h 52 min
